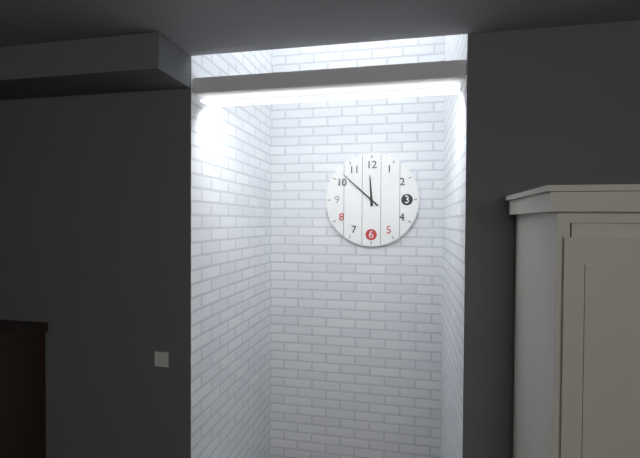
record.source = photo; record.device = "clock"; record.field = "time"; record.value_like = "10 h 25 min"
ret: 11 h 52 min
